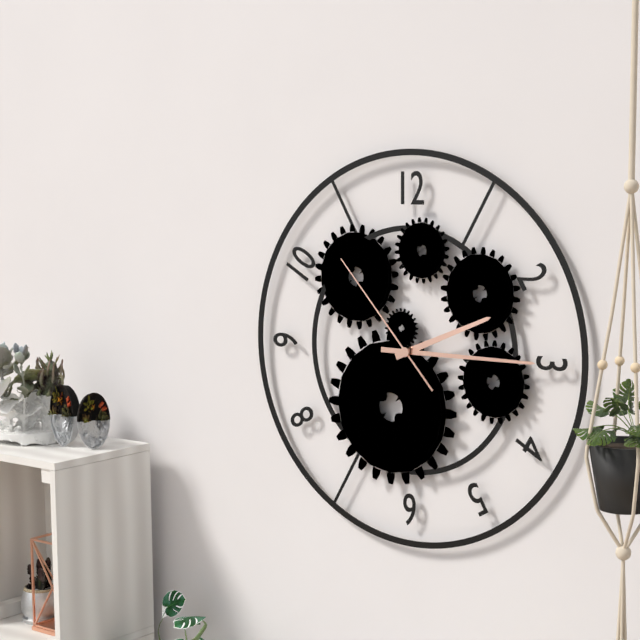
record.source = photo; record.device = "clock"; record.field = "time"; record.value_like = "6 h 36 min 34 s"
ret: 2 h 15 min 53 s
